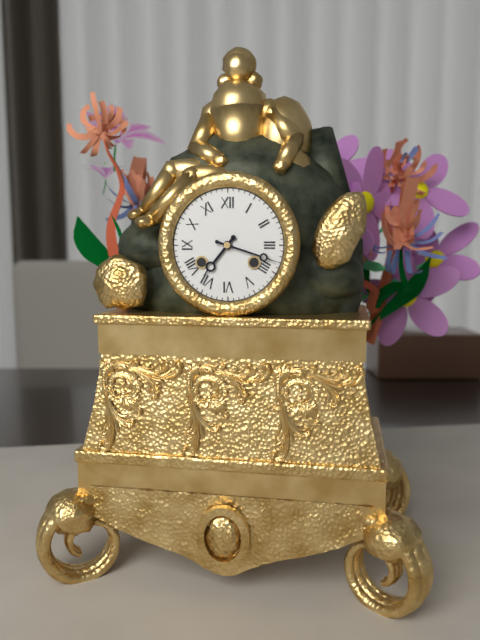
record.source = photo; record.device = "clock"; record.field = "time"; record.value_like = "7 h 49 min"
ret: 7 h 18 min
